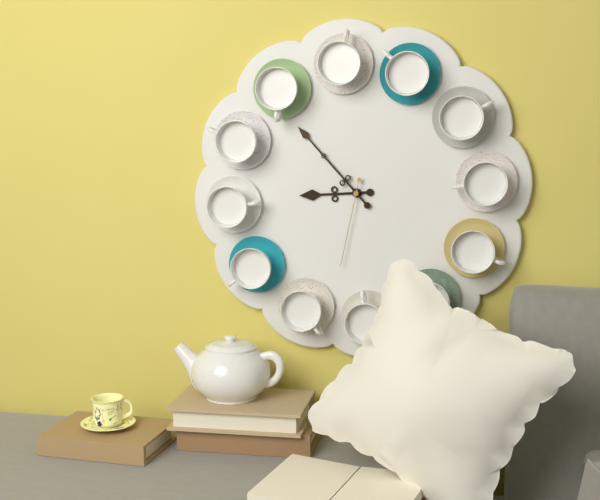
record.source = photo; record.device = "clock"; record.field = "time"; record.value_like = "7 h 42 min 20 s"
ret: 8 h 53 min 32 s
